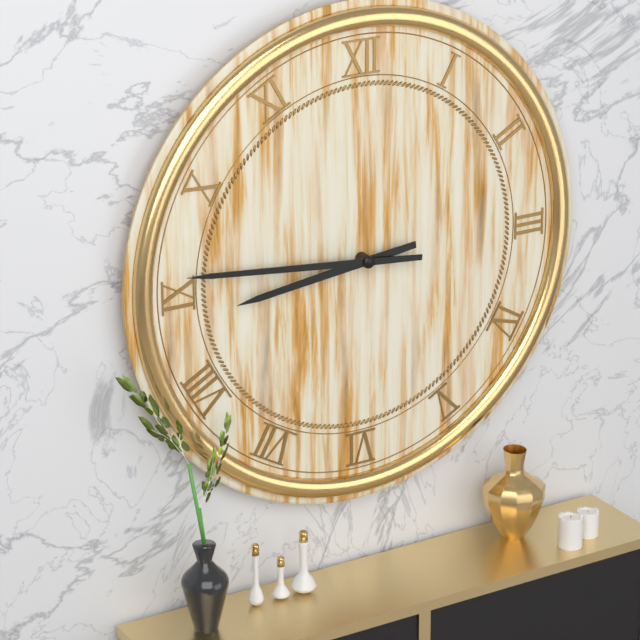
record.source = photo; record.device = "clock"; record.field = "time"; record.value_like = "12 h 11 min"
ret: 8 h 46 min
